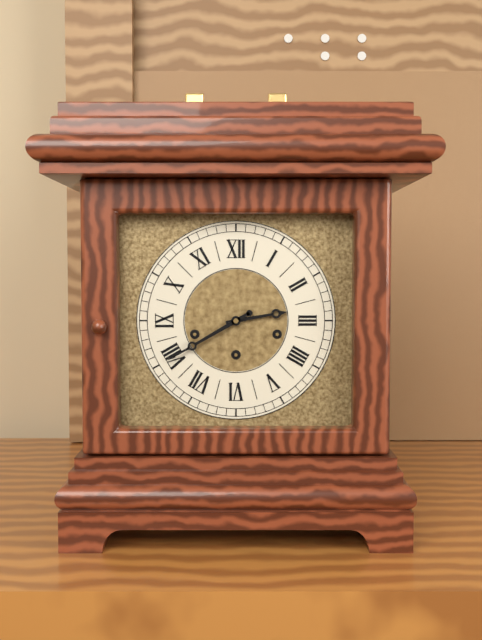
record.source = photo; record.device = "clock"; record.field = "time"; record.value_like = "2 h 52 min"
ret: 2 h 40 min
